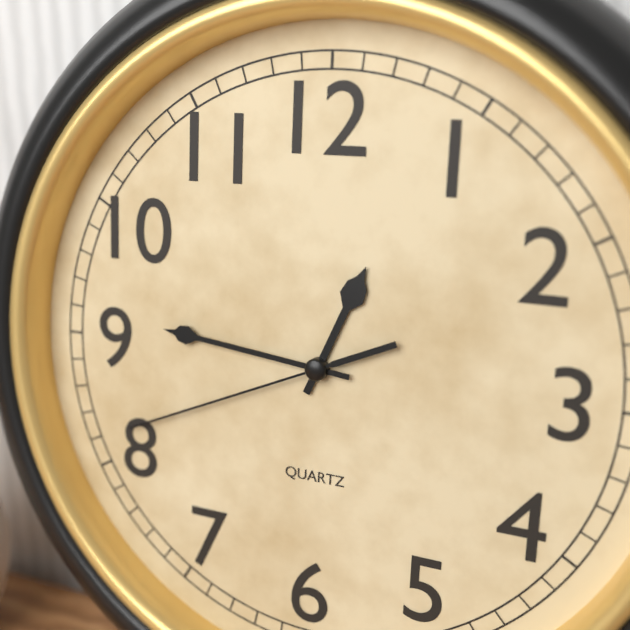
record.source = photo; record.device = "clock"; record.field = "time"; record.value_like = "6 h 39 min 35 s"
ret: 12 h 46 min 41 s
